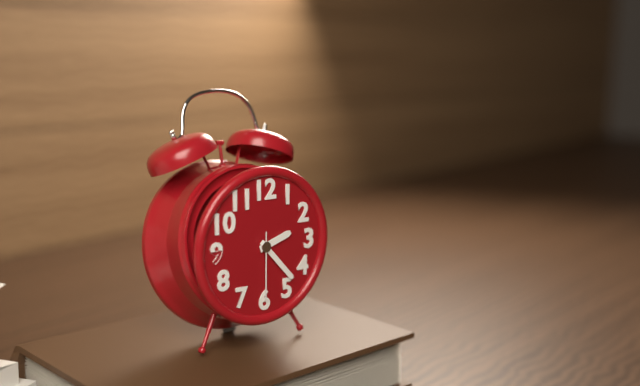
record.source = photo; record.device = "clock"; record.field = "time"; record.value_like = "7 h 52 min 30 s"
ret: 2 h 23 min 30 s
